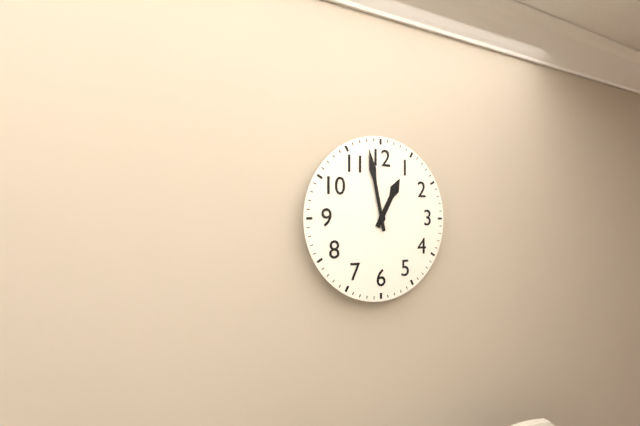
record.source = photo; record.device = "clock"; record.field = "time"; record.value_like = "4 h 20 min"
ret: 12 h 58 min
